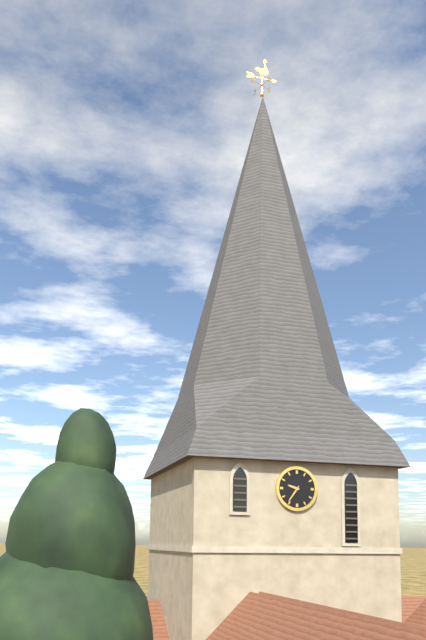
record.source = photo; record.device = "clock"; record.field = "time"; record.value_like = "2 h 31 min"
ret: 9 h 36 min
